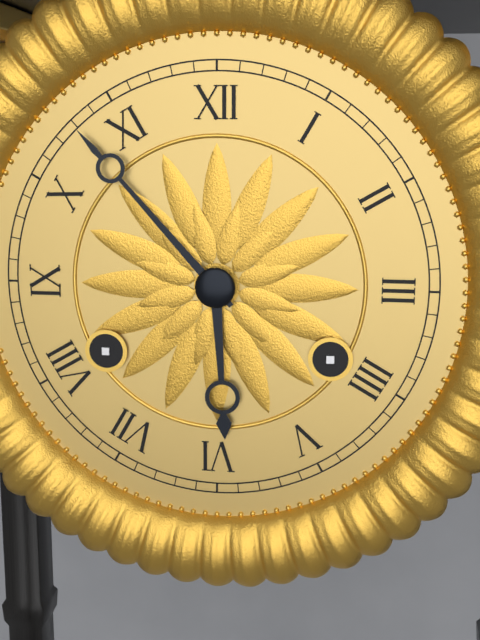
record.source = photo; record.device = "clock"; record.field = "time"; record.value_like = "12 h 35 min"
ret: 5 h 53 min
